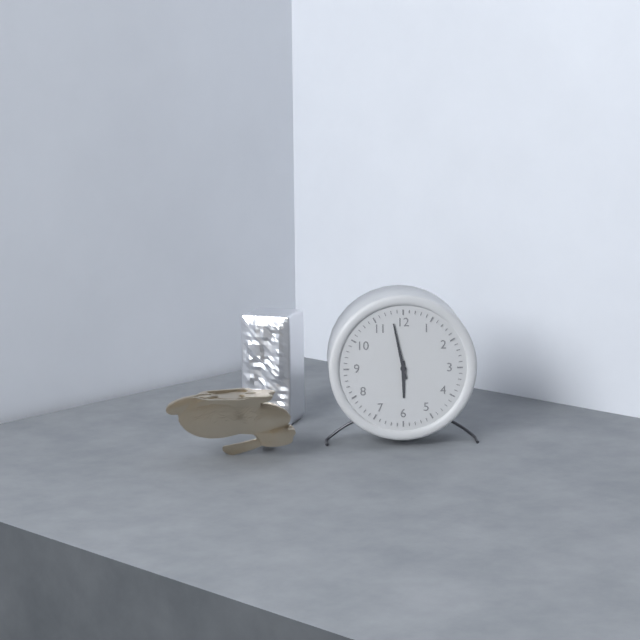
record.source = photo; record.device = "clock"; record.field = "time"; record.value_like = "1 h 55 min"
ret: 5 h 58 min
